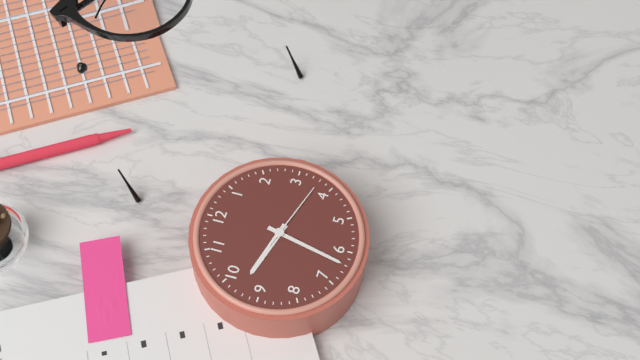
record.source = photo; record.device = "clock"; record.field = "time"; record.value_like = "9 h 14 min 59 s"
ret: 9 h 32 min 18 s
